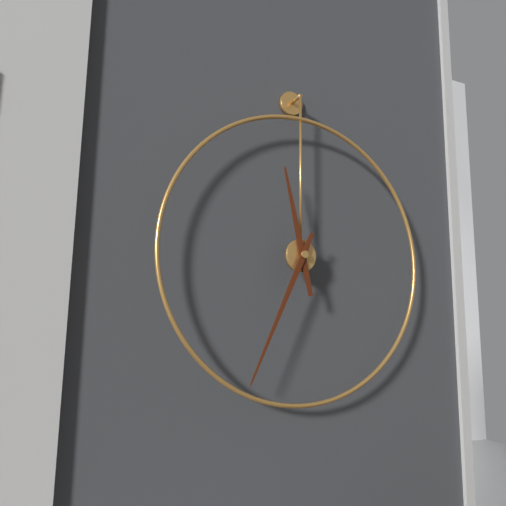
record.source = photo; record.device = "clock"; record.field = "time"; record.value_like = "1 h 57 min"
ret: 11 h 34 min
